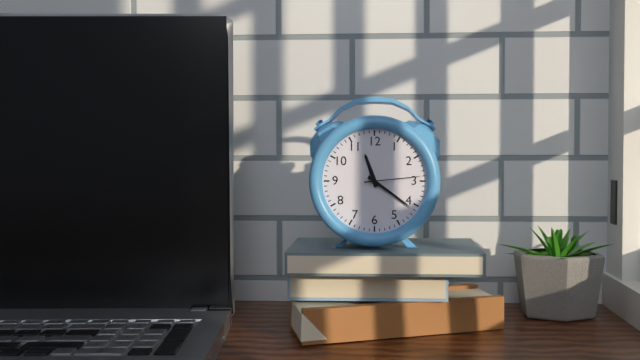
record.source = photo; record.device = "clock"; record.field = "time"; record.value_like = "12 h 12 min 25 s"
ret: 11 h 21 min 14 s
